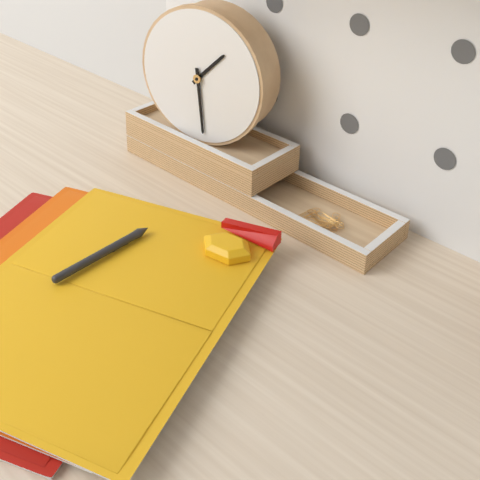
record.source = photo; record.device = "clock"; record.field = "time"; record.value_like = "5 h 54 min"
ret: 1 h 29 min
